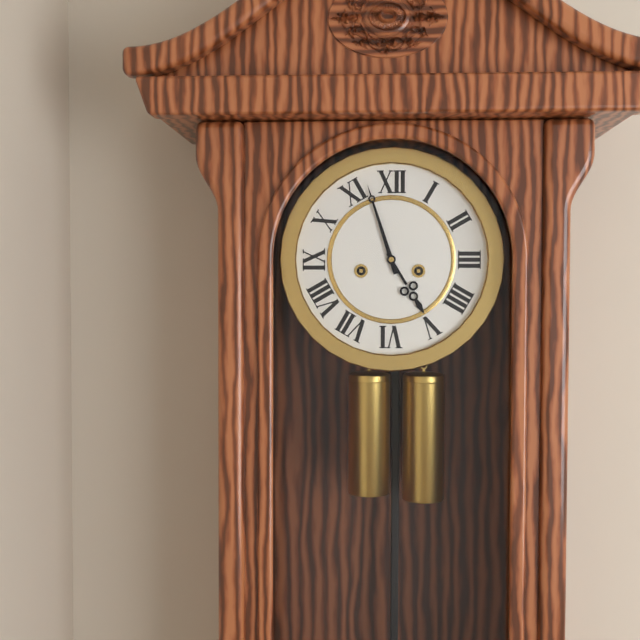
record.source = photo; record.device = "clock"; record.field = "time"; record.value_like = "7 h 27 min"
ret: 4 h 57 min
